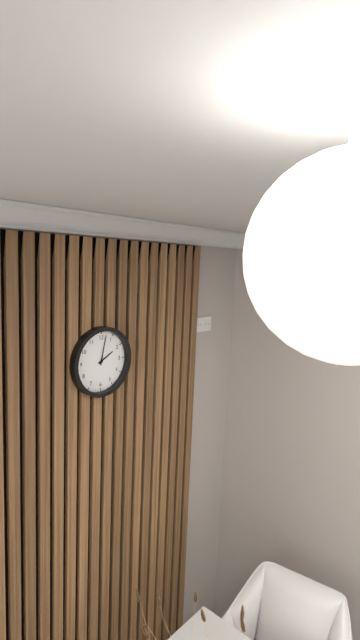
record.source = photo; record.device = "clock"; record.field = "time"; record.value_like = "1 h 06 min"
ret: 2 h 02 min
